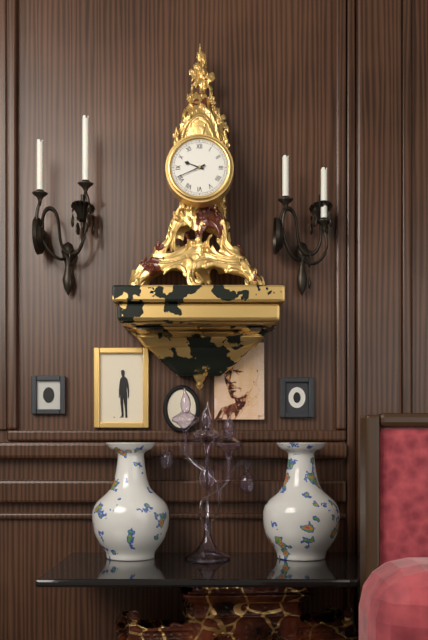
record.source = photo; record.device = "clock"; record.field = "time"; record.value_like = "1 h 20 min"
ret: 9 h 41 min
